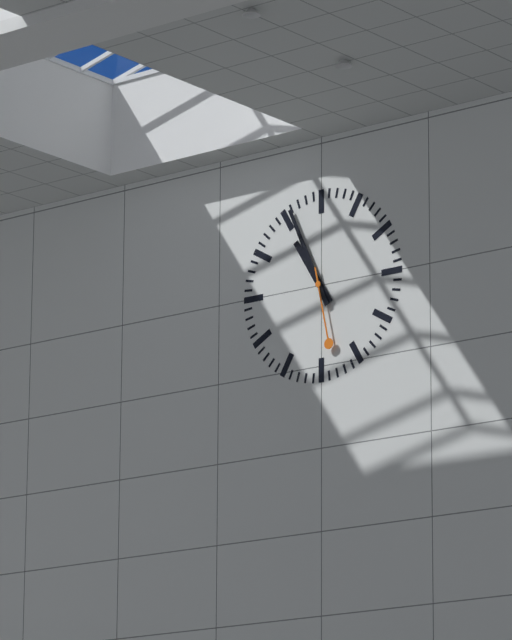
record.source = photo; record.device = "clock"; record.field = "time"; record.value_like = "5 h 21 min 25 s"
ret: 10 h 56 min 28 s
